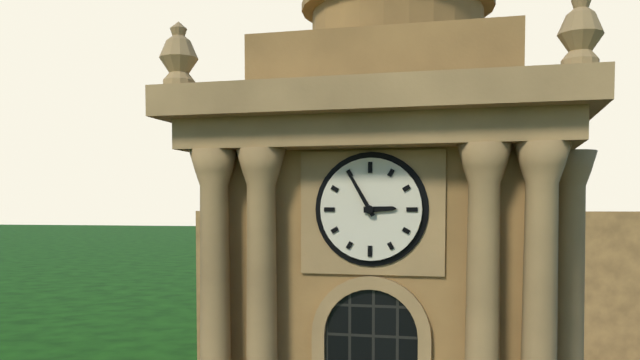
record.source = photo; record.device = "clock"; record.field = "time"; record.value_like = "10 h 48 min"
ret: 2 h 55 min
